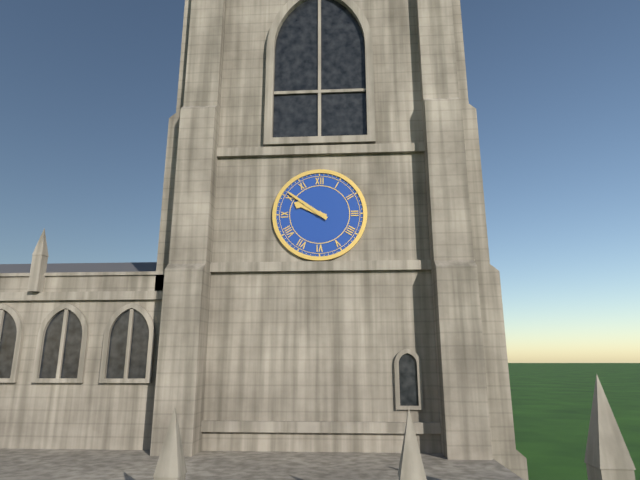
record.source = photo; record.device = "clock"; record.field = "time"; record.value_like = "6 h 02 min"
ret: 9 h 51 min
